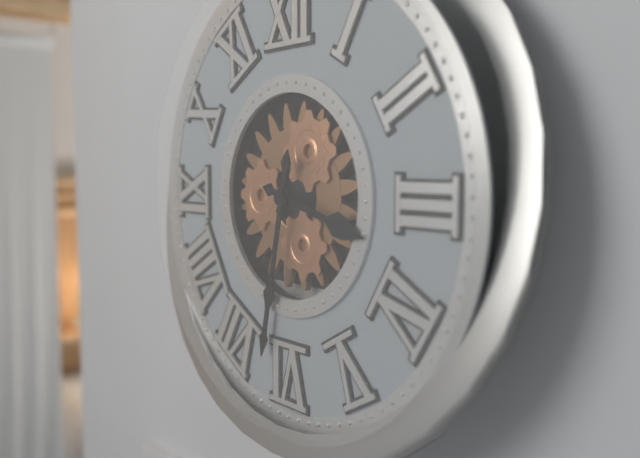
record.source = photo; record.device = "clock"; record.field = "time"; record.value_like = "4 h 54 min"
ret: 3 h 32 min
